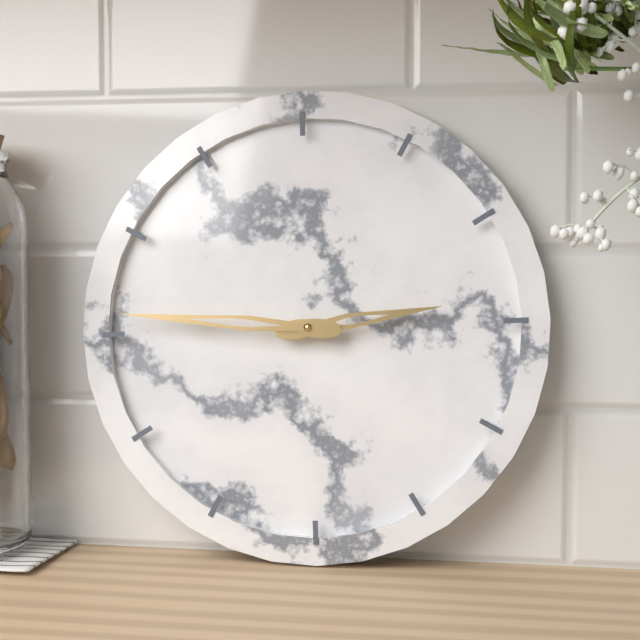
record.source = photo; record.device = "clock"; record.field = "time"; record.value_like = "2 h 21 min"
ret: 2 h 46 min
